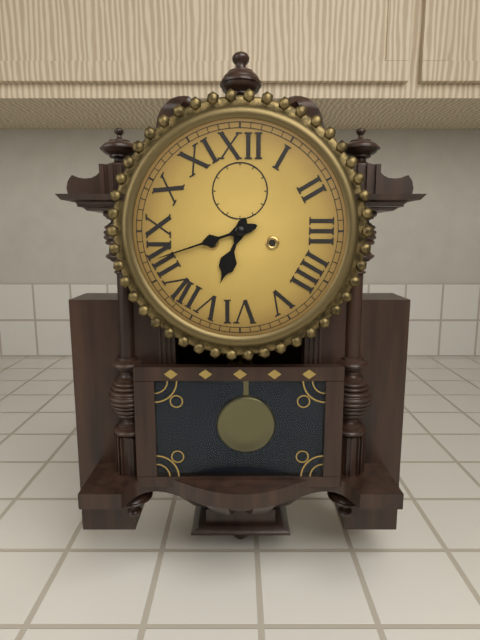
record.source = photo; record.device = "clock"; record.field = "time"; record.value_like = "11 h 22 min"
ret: 6 h 42 min
